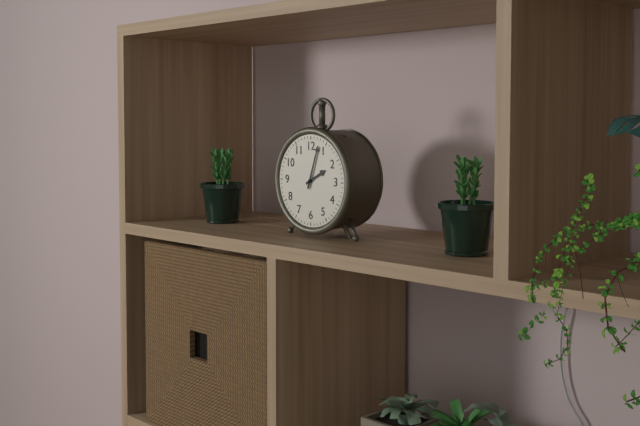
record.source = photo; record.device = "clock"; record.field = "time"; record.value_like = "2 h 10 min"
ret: 2 h 03 min
